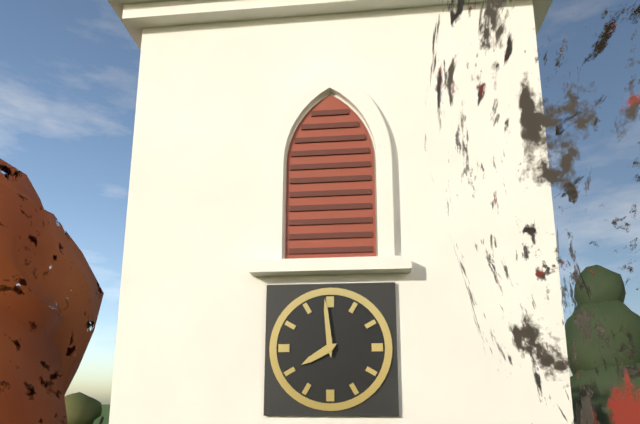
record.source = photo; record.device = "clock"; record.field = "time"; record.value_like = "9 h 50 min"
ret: 7 h 59 min
